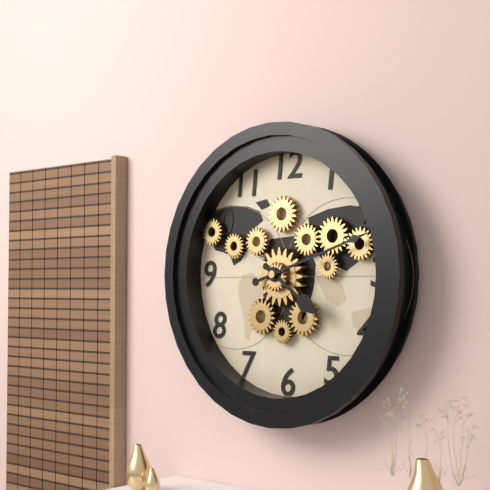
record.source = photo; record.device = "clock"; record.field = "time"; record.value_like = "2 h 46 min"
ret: 4 h 12 min
